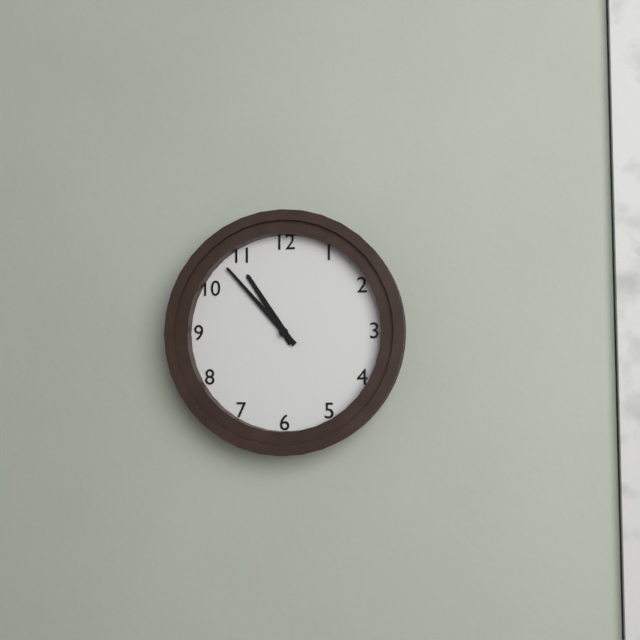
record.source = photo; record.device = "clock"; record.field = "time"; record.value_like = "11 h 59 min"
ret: 10 h 53 min
